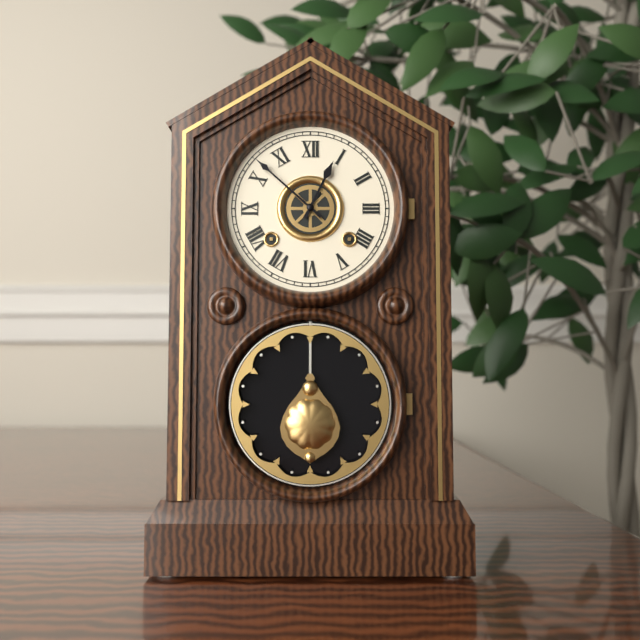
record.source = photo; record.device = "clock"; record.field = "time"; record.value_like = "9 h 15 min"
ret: 12 h 52 min
